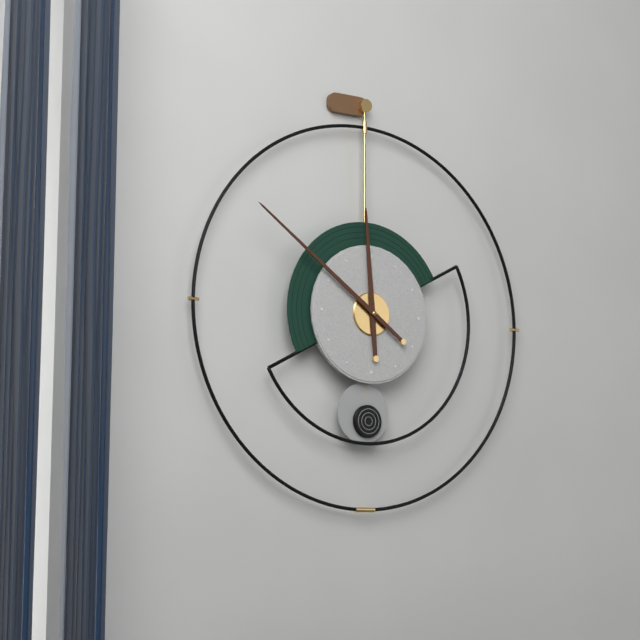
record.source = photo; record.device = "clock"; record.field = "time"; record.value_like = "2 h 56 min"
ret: 11 h 51 min
